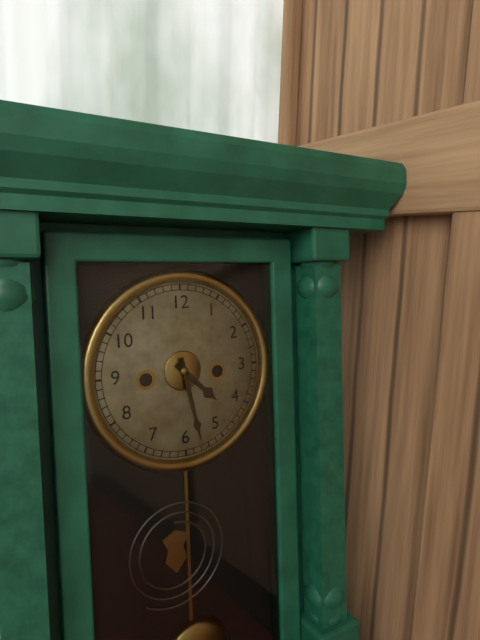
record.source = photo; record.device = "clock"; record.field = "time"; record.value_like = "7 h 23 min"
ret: 4 h 28 min
